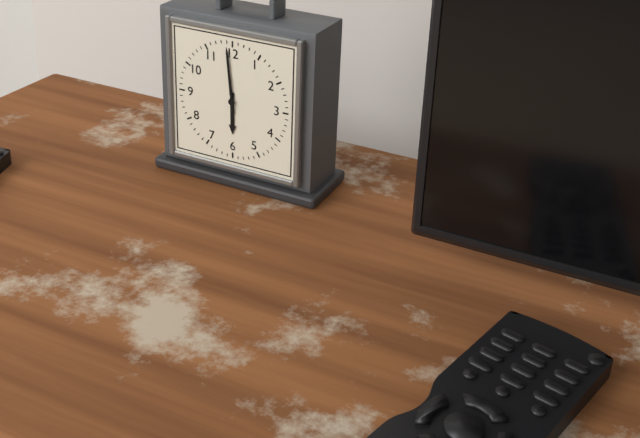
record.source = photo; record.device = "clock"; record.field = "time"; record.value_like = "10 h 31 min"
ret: 5 h 59 min
